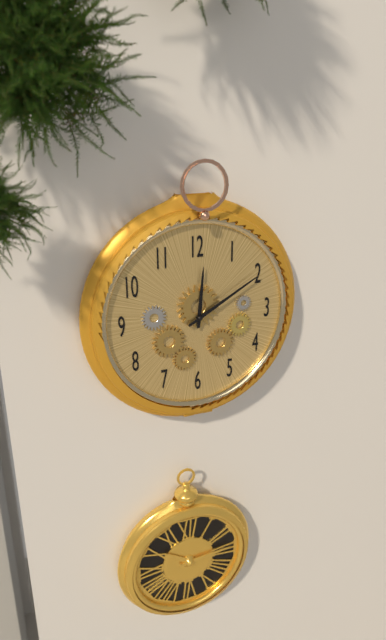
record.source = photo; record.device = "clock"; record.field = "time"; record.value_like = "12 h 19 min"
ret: 12 h 10 min
